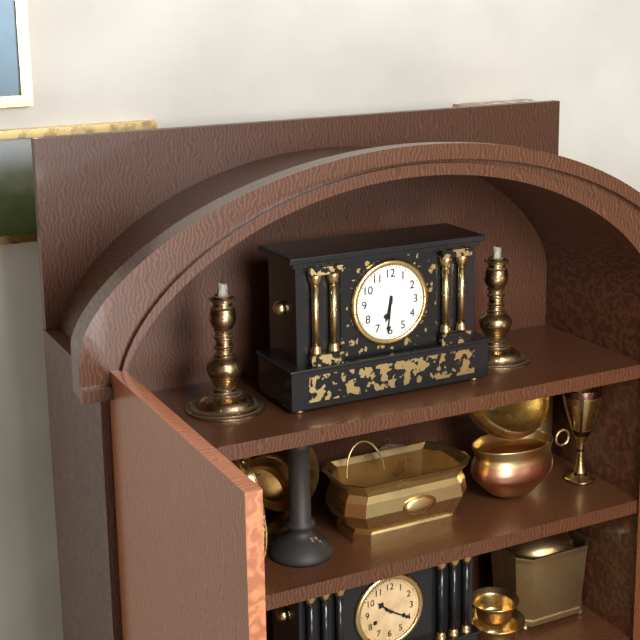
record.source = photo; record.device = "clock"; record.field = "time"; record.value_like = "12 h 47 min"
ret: 6 h 31 min
